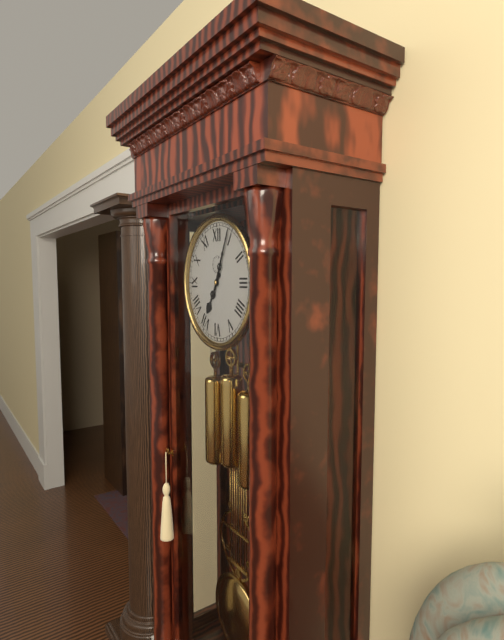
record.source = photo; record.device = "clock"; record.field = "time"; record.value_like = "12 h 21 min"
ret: 7 h 04 min
